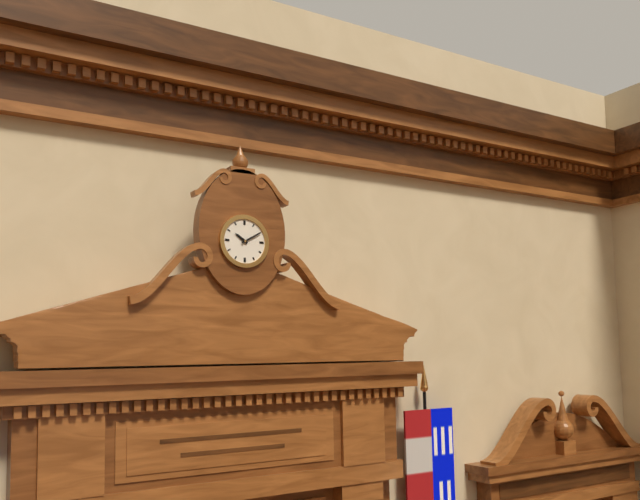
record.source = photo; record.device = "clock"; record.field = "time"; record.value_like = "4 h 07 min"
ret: 10 h 10 min
